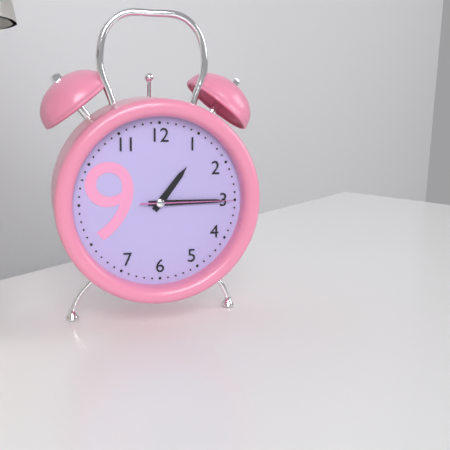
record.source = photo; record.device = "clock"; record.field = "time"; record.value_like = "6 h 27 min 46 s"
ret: 1 h 15 min 15 s
